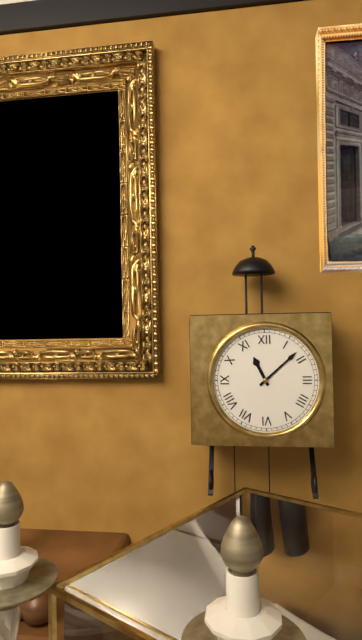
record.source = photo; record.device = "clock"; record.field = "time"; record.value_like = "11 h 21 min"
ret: 11 h 08 min
